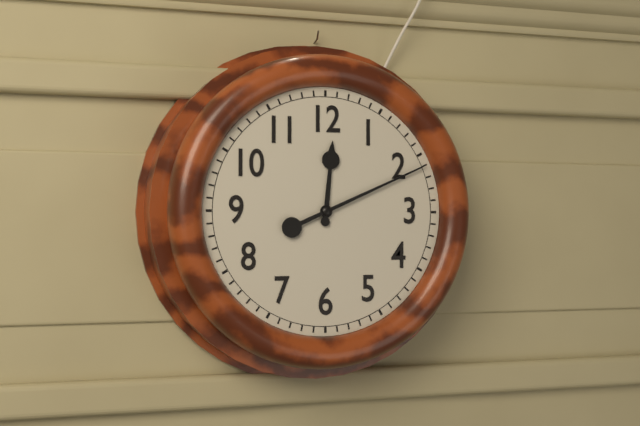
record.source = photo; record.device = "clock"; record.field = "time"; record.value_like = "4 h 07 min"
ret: 12 h 11 min
